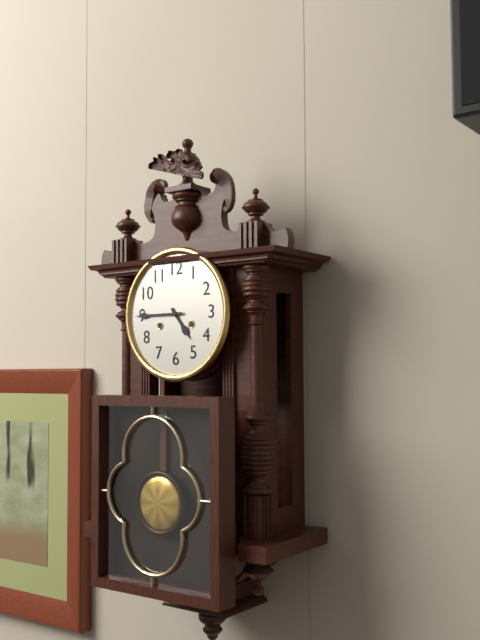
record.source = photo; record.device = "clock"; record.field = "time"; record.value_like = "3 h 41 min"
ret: 4 h 45 min
